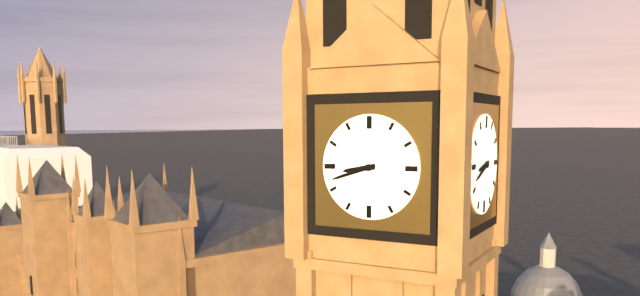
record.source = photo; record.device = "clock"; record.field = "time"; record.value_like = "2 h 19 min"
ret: 8 h 42 min
